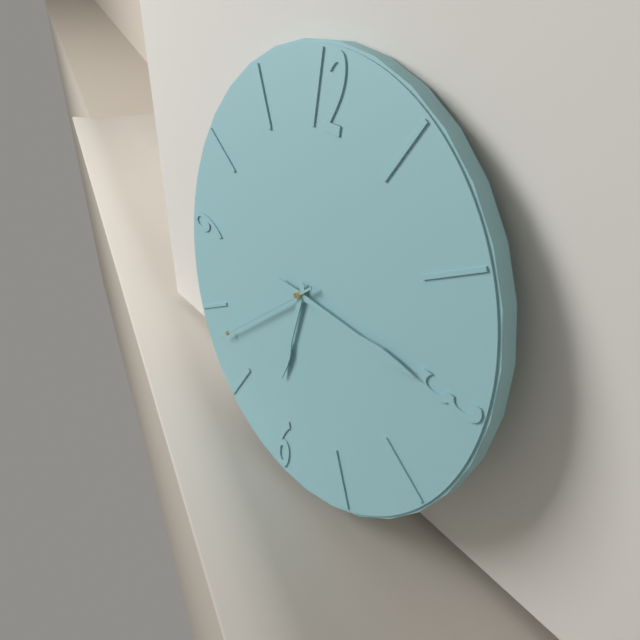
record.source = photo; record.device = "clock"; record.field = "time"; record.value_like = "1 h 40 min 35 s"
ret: 6 h 15 min 38 s
